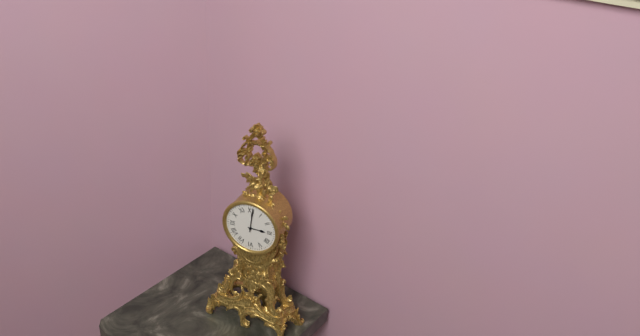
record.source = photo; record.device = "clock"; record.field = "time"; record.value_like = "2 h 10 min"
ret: 3 h 01 min
